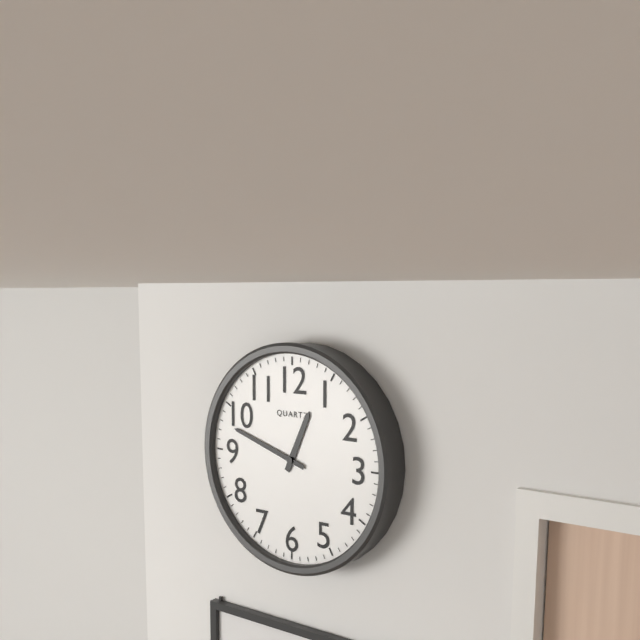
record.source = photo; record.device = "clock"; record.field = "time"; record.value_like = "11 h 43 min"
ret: 12 h 48 min
